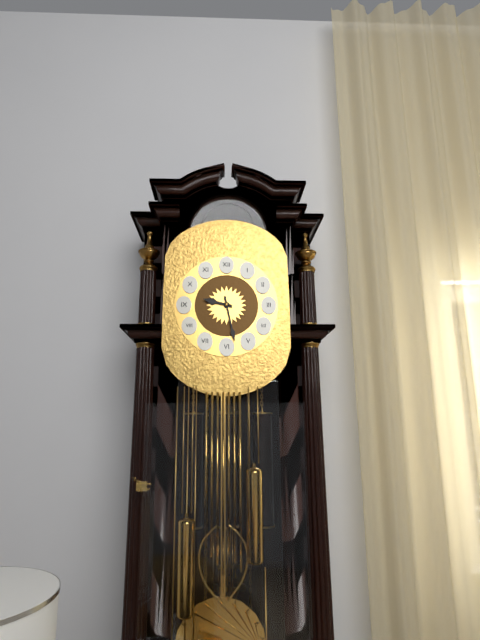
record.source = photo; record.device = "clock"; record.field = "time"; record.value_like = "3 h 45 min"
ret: 9 h 28 min
